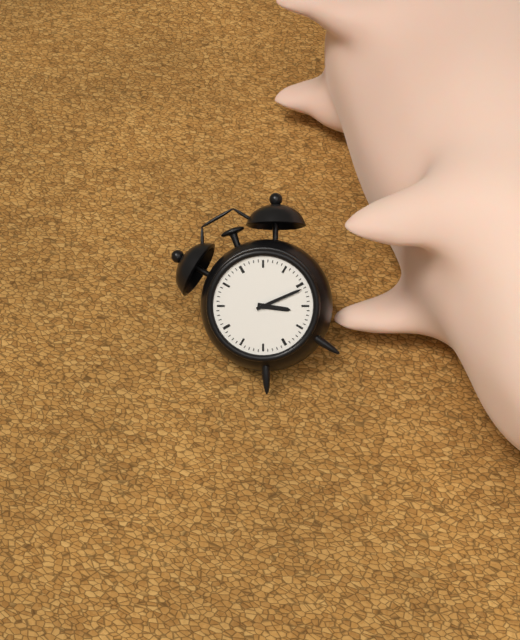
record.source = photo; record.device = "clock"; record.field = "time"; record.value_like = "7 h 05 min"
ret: 4 h 16 min
